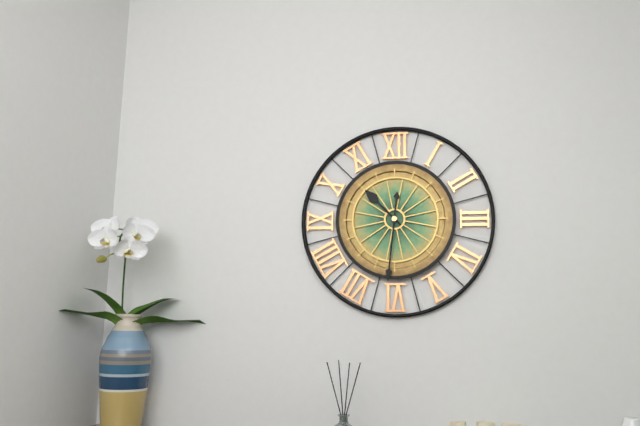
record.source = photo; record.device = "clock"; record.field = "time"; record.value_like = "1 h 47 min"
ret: 10 h 31 min
